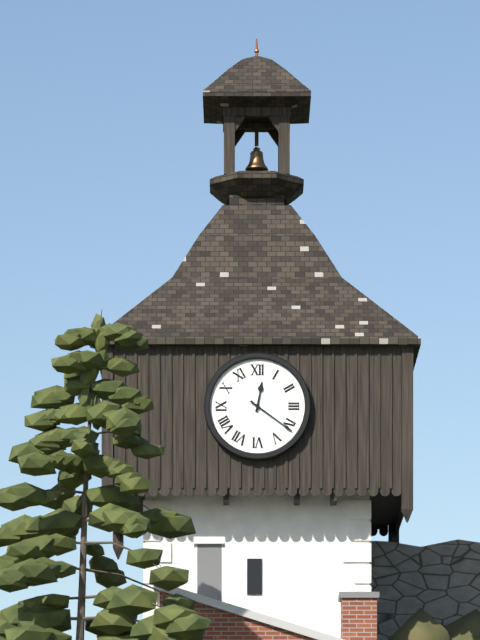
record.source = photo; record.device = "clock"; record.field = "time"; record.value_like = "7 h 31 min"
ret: 12 h 21 min
